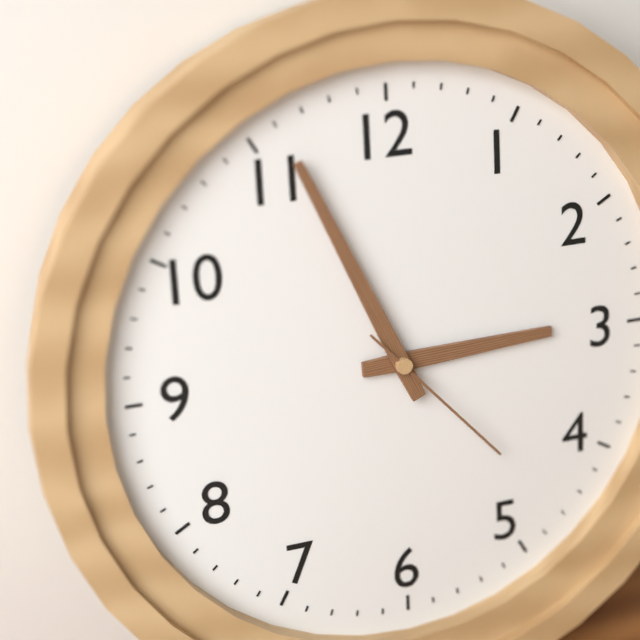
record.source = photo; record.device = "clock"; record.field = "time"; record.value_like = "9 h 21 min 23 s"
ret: 2 h 56 min 23 s
